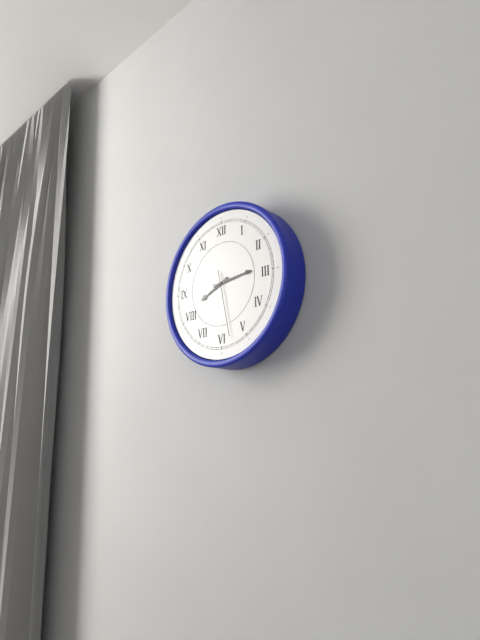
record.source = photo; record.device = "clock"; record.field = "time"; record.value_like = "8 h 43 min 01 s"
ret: 8 h 14 min 28 s
